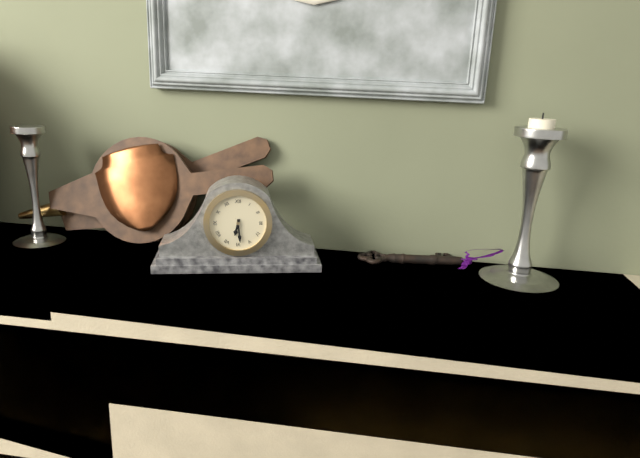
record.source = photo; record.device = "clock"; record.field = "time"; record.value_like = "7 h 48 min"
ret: 6 h 29 min
